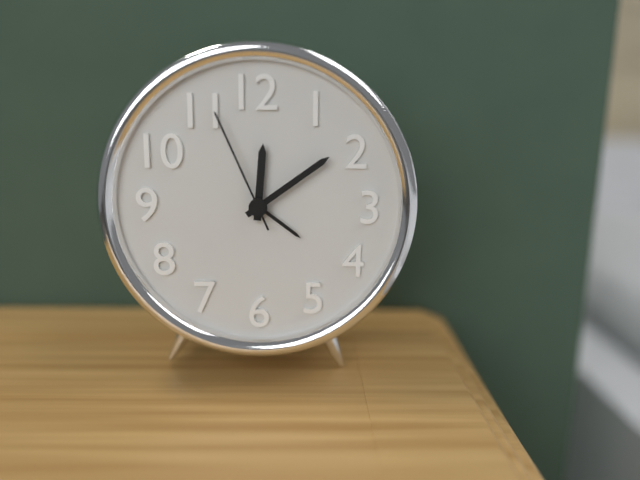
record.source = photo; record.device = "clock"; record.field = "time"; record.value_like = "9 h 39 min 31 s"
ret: 12 h 09 min 56 s
